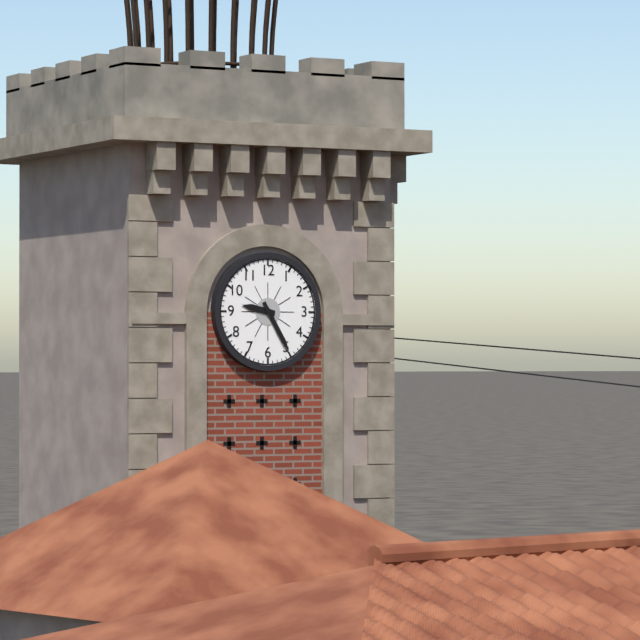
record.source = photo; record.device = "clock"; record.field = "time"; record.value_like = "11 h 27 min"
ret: 9 h 25 min
